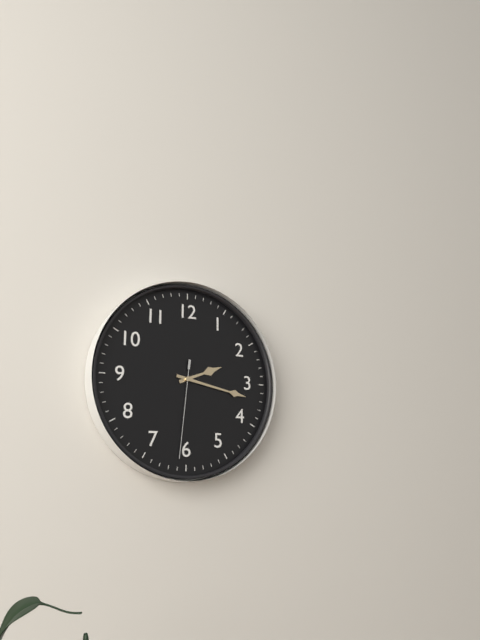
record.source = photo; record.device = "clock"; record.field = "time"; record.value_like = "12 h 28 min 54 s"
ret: 2 h 17 min 31 s
